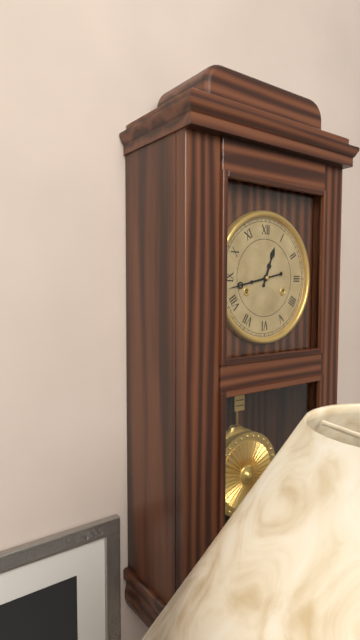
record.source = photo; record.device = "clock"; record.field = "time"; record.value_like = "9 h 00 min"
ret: 12 h 43 min
